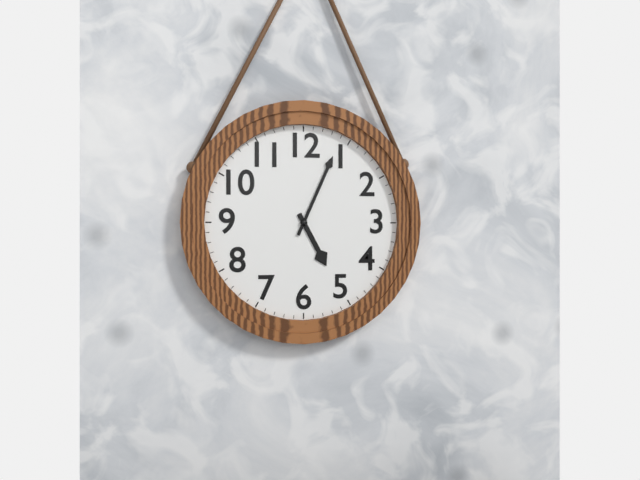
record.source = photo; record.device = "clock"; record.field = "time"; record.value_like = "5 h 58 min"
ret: 5 h 04 min
